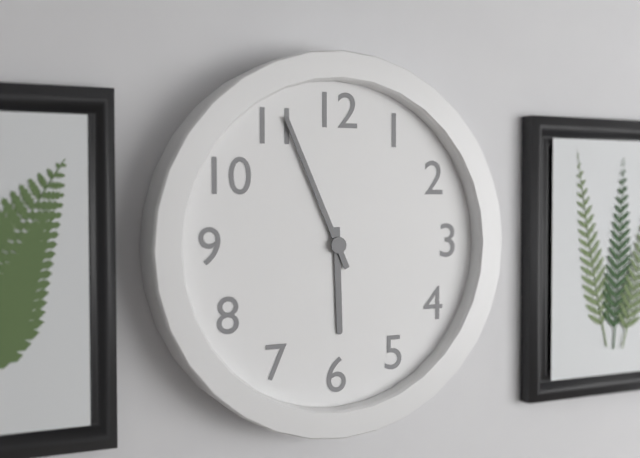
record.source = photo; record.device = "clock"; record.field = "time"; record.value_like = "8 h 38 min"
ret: 5 h 56 min
